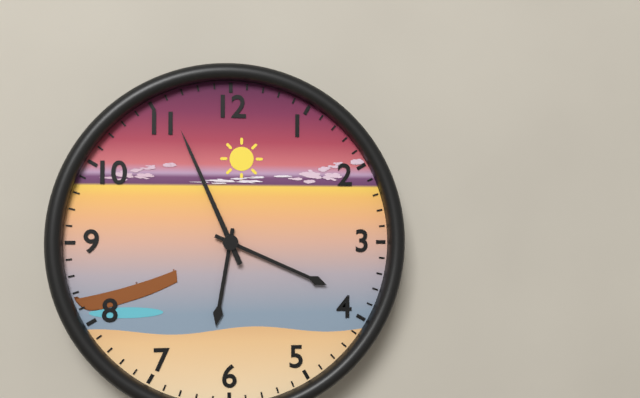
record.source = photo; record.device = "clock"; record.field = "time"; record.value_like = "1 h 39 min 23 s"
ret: 6 h 19 min 56 s
